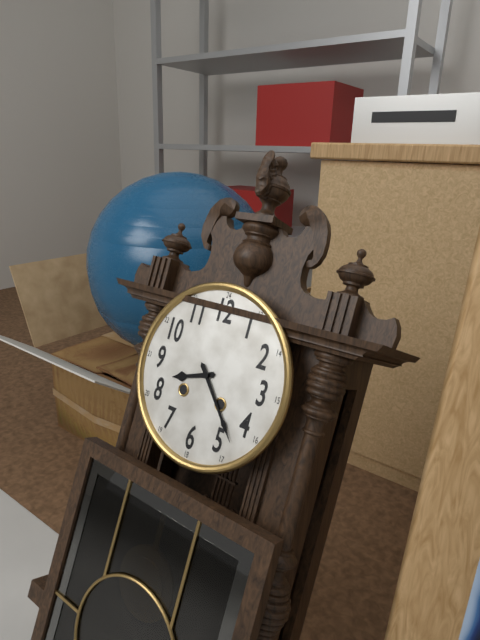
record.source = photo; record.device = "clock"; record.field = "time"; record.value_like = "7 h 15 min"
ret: 8 h 23 min
